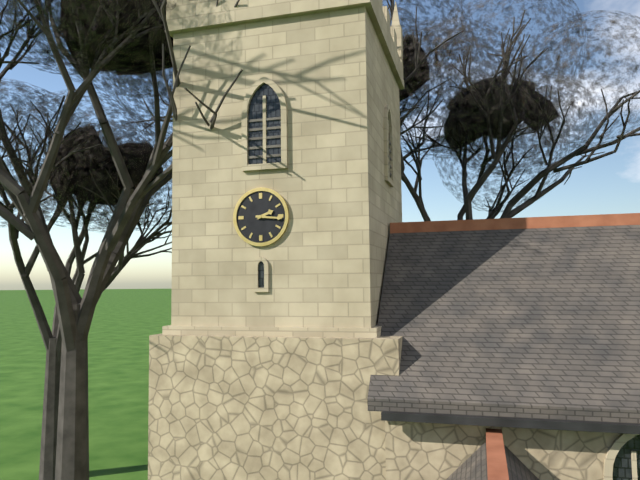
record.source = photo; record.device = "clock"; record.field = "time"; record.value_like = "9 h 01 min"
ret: 2 h 16 min
